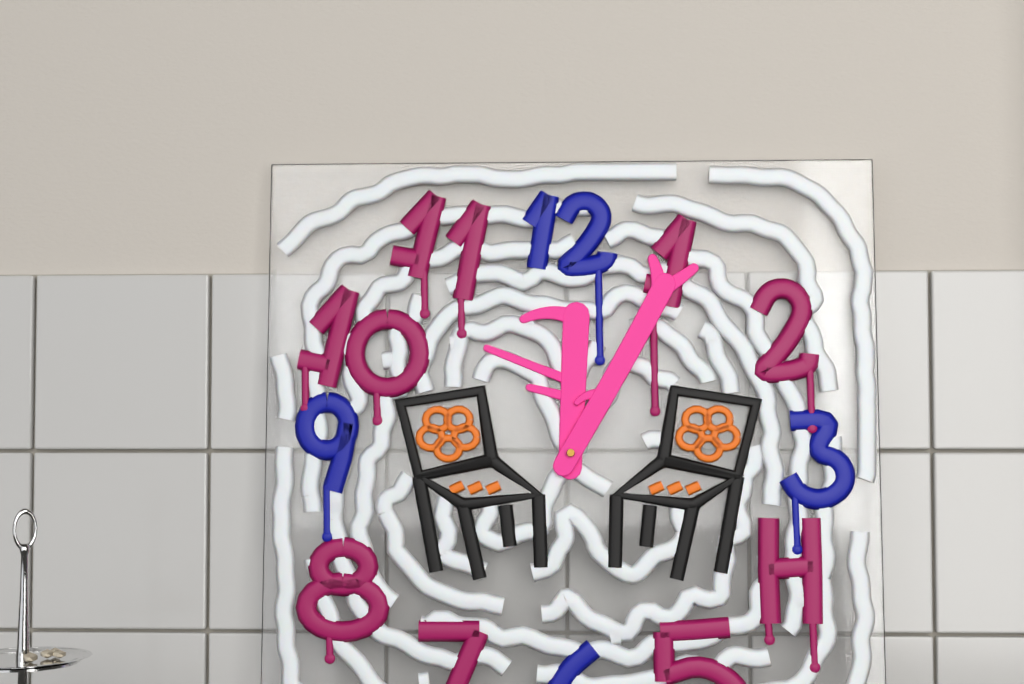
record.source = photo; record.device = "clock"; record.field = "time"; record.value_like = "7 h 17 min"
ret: 12 h 05 min
